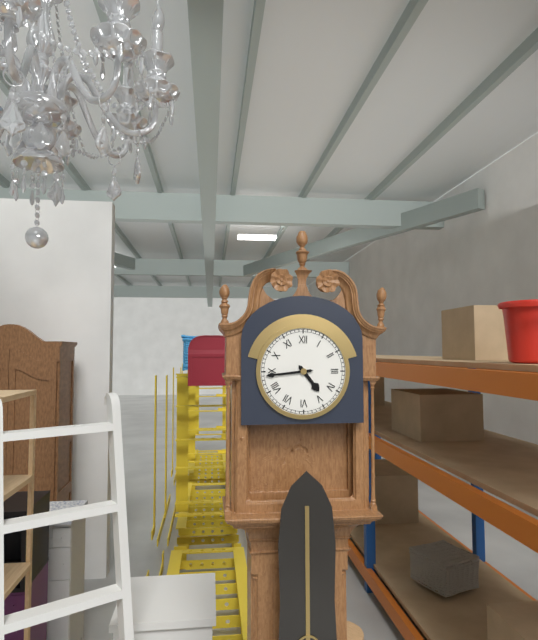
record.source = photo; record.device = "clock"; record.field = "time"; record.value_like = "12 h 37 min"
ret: 4 h 44 min
